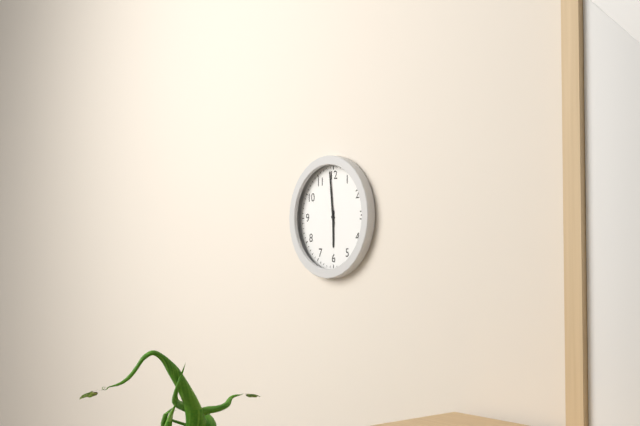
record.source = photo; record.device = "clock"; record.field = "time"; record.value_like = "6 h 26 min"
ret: 5 h 59 min
